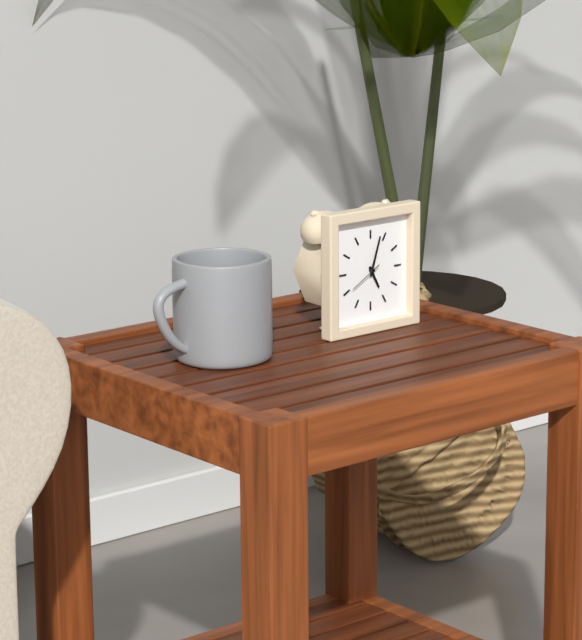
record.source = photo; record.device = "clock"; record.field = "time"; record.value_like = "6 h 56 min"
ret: 5 h 03 min
